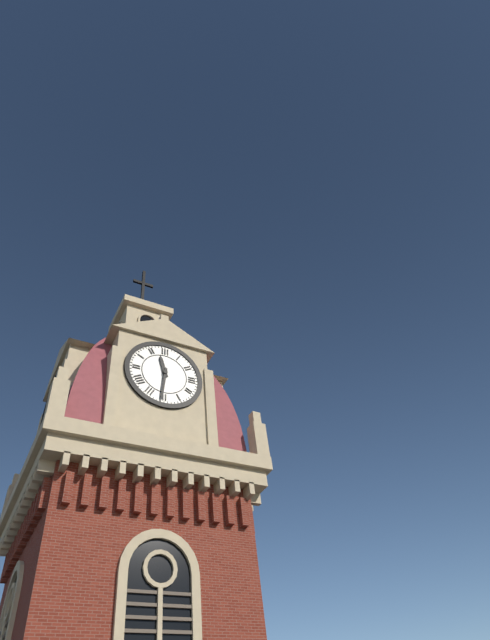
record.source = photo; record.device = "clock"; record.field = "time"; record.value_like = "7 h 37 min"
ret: 11 h 31 min
